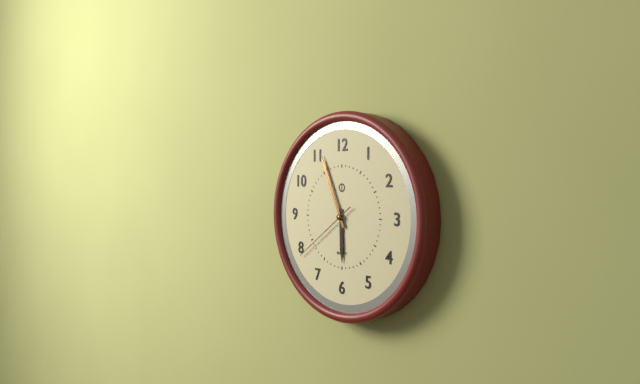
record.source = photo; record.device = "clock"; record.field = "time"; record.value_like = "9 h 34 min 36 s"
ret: 5 h 56 min 39 s
